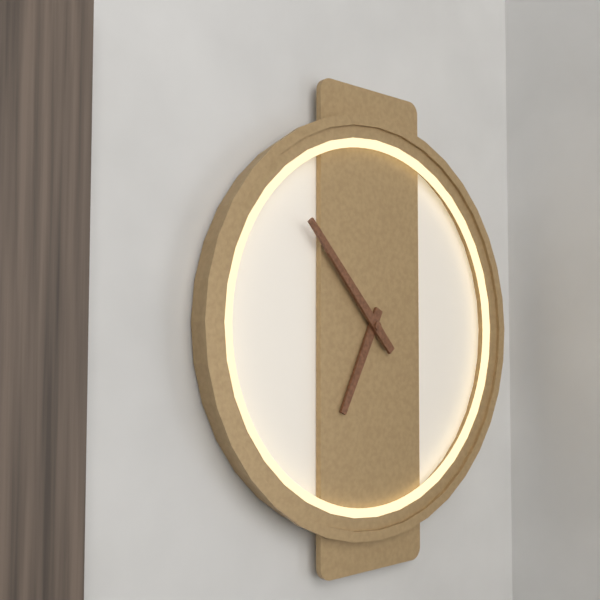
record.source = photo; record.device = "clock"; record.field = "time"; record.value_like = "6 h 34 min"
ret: 6 h 53 min
